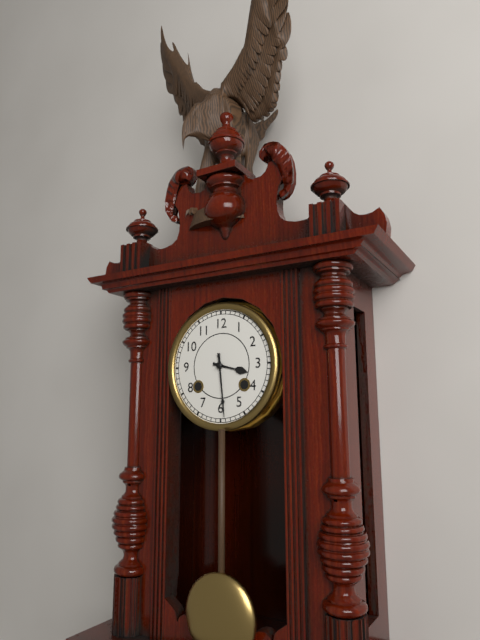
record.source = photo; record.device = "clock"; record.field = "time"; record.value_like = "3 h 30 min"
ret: 3 h 29 min
